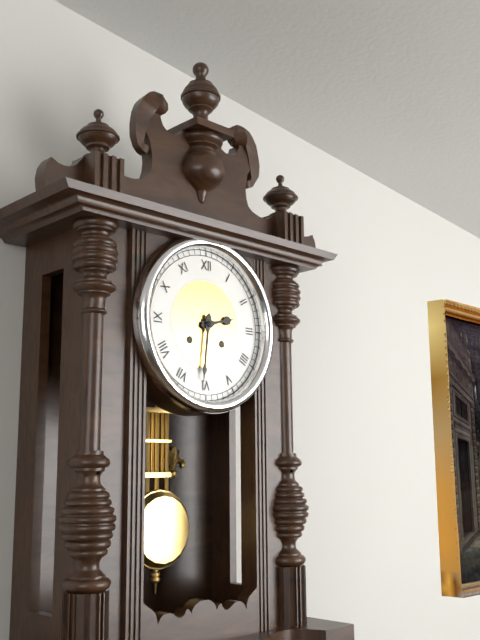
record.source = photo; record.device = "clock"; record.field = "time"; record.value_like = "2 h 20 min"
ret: 2 h 31 min
